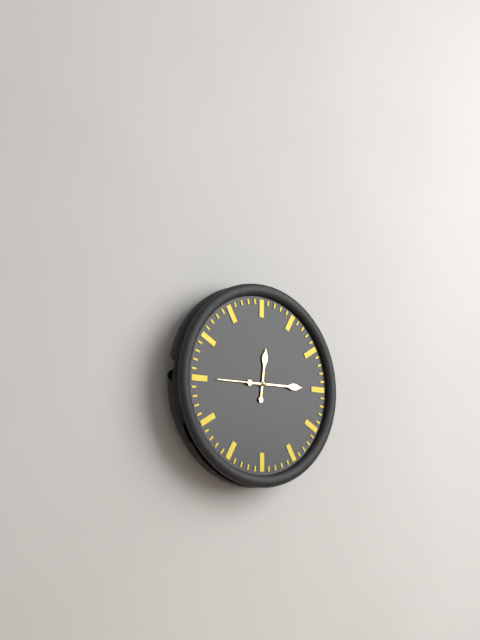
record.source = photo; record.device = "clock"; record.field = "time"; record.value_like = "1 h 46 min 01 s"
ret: 12 h 15 min 45 s
